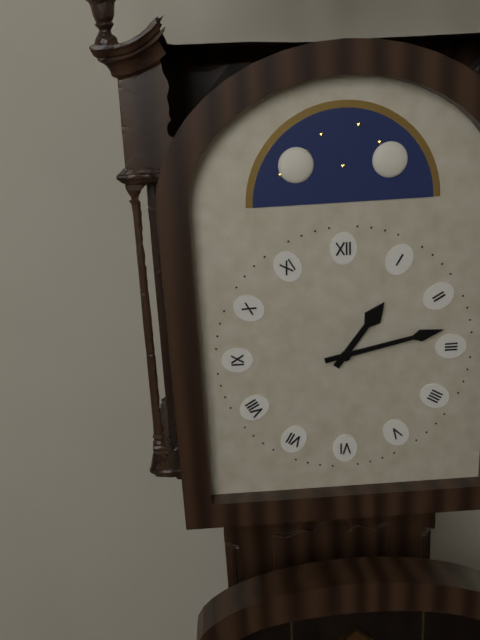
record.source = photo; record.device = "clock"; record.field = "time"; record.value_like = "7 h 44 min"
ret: 1 h 13 min
